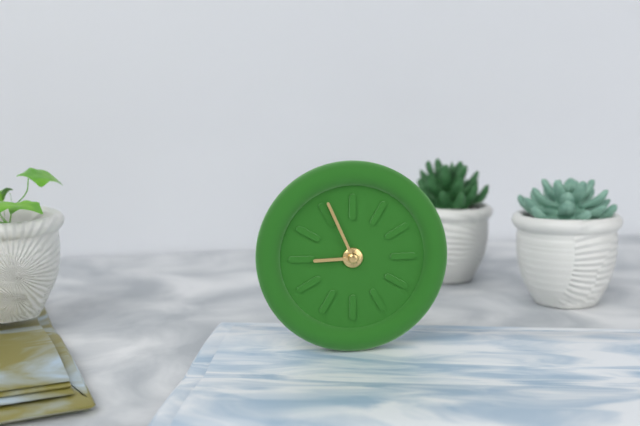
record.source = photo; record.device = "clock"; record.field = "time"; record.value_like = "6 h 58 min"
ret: 8 h 56 min
